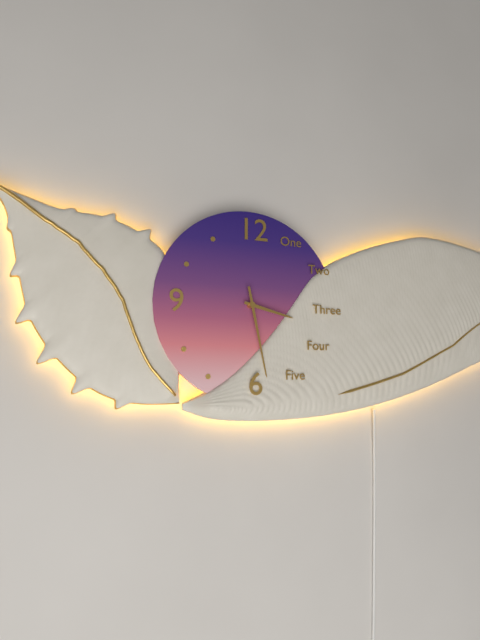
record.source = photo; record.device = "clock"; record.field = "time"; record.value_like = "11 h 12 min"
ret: 3 h 28 min
